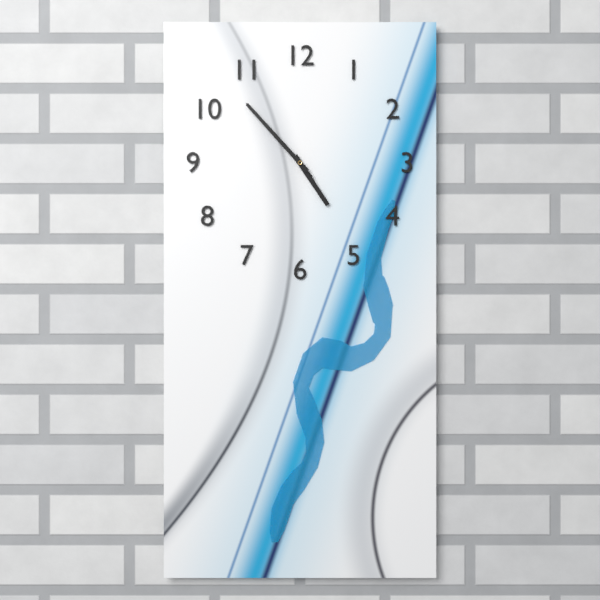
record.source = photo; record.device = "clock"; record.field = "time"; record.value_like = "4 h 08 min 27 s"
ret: 4 h 53 min 53 s
